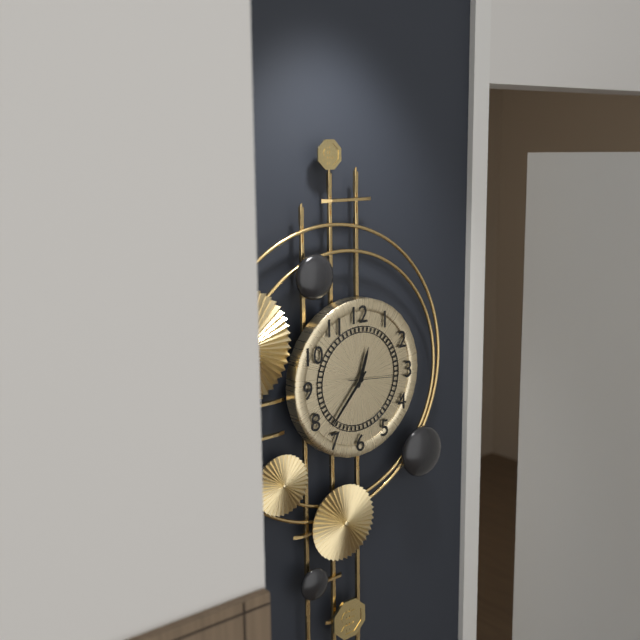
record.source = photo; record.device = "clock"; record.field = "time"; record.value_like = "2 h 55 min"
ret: 12 h 37 min
